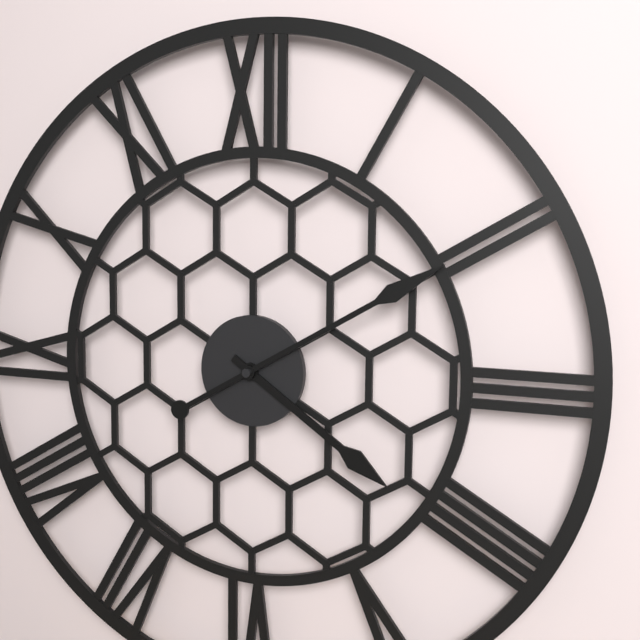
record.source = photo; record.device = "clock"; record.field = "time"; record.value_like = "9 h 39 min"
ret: 4 h 10 min
